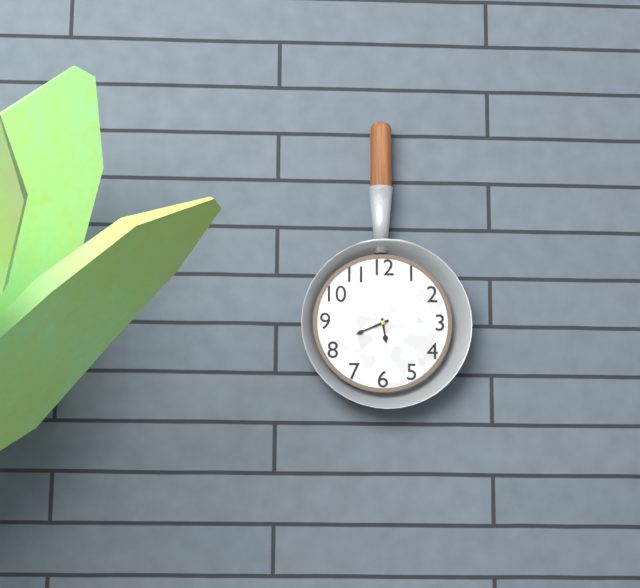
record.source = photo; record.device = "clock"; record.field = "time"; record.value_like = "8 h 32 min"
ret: 5 h 41 min
